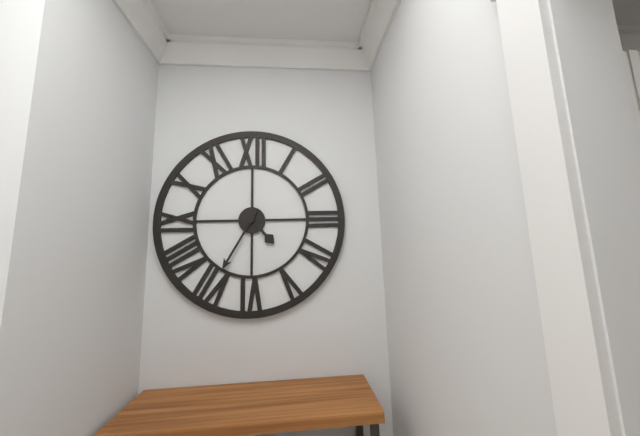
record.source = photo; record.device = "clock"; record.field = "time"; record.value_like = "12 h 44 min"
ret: 4 h 35 min
